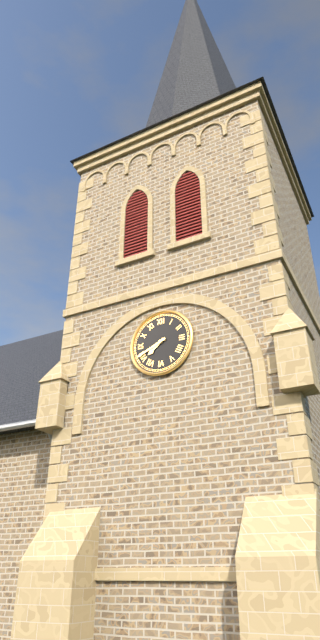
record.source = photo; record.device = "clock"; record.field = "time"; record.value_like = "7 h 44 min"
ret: 7 h 41 min
